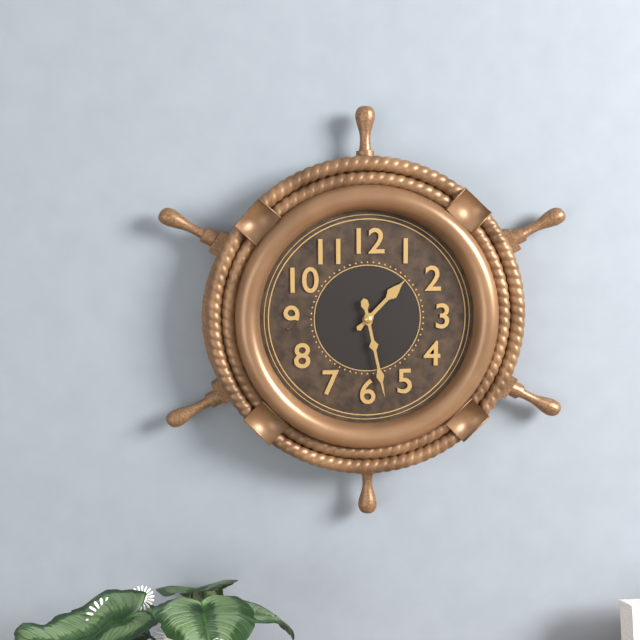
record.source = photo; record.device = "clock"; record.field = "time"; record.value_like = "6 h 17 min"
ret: 1 h 28 min
